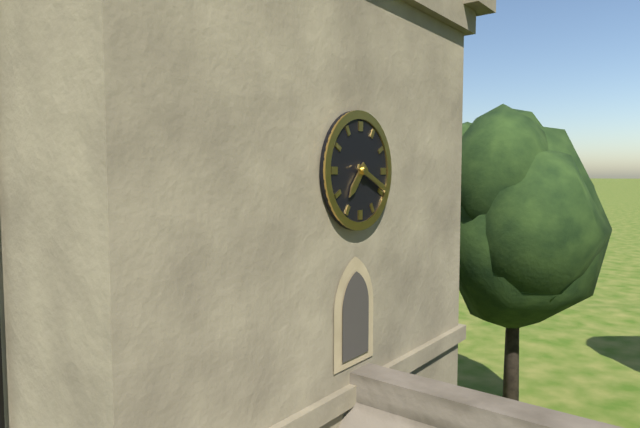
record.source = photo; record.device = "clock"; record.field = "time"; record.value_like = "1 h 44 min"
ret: 7 h 19 min
